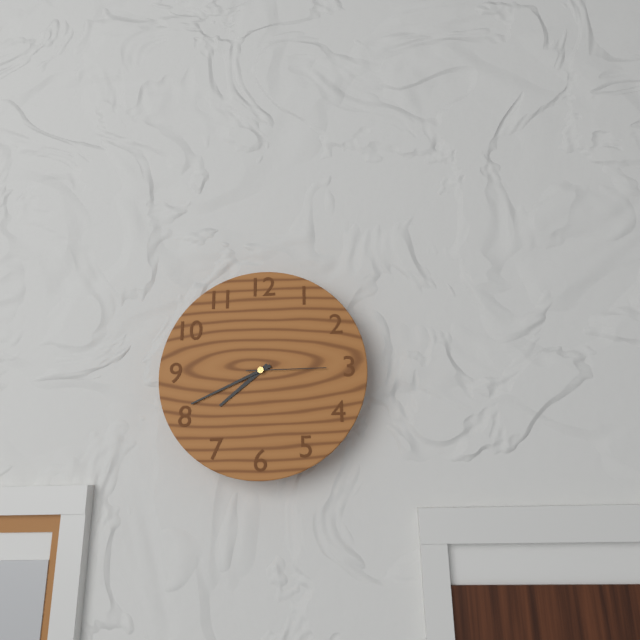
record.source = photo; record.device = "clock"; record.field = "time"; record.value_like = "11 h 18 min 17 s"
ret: 7 h 41 min 15 s
